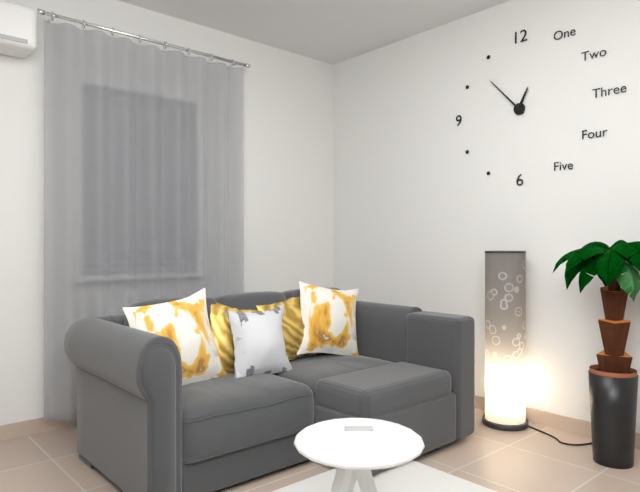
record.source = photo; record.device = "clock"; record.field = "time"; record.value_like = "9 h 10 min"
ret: 12 h 53 min
